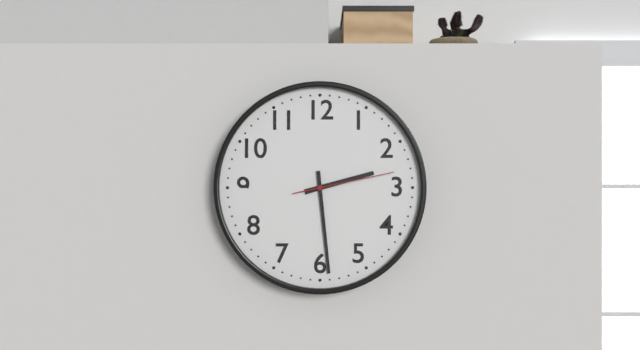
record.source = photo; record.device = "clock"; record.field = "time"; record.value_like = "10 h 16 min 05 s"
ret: 2 h 29 min 13 s
